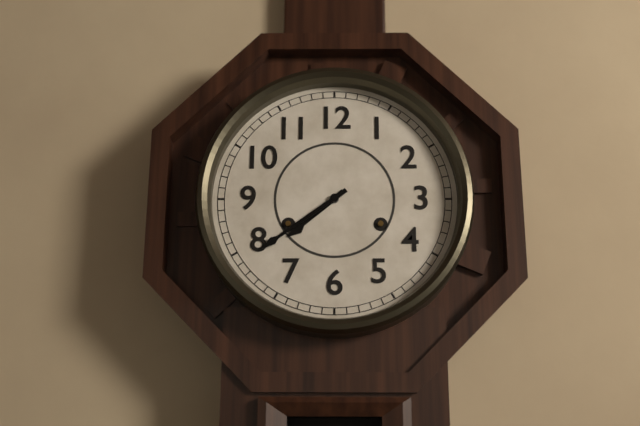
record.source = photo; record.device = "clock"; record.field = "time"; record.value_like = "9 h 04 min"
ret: 7 h 39 min
